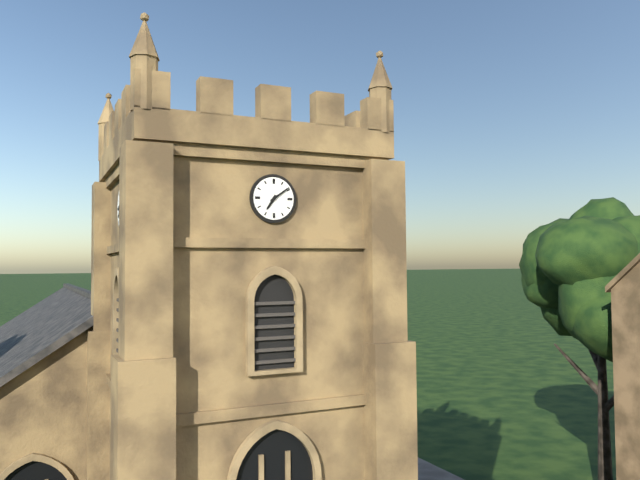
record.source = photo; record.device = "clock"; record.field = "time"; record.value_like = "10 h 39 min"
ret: 7 h 09 min
